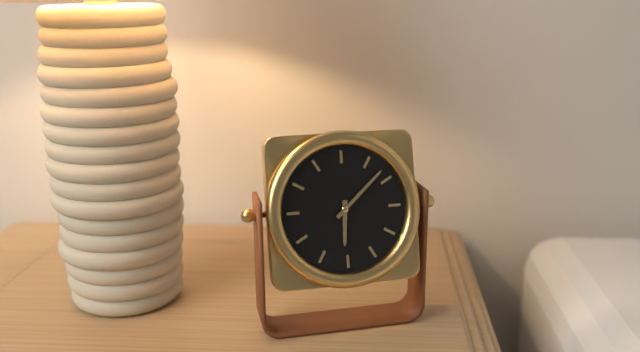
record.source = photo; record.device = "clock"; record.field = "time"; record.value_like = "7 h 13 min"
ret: 6 h 08 min
